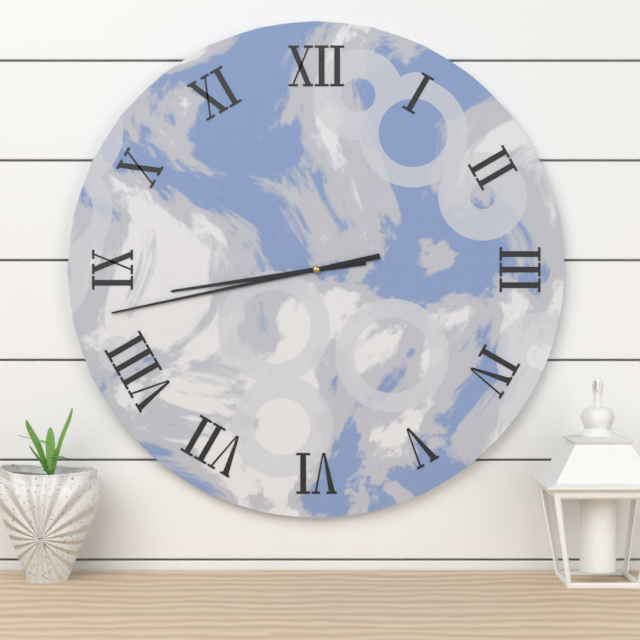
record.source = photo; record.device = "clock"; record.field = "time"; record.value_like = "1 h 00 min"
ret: 8 h 43 min
